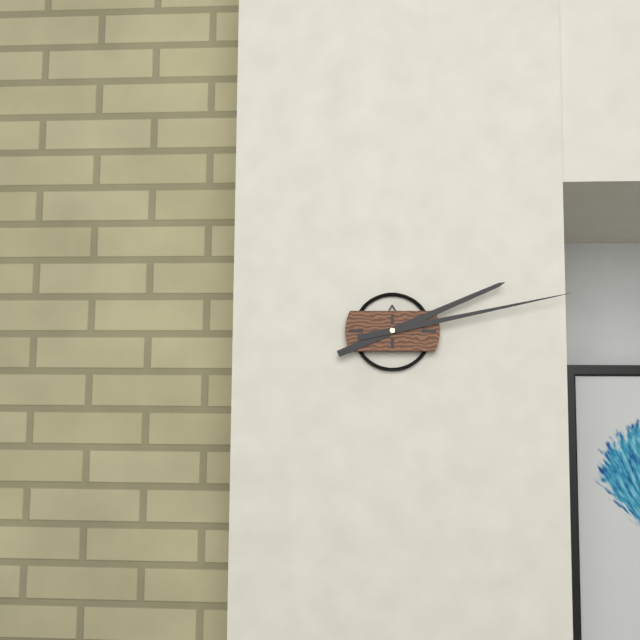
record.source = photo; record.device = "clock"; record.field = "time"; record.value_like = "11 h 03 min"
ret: 2 h 13 min
